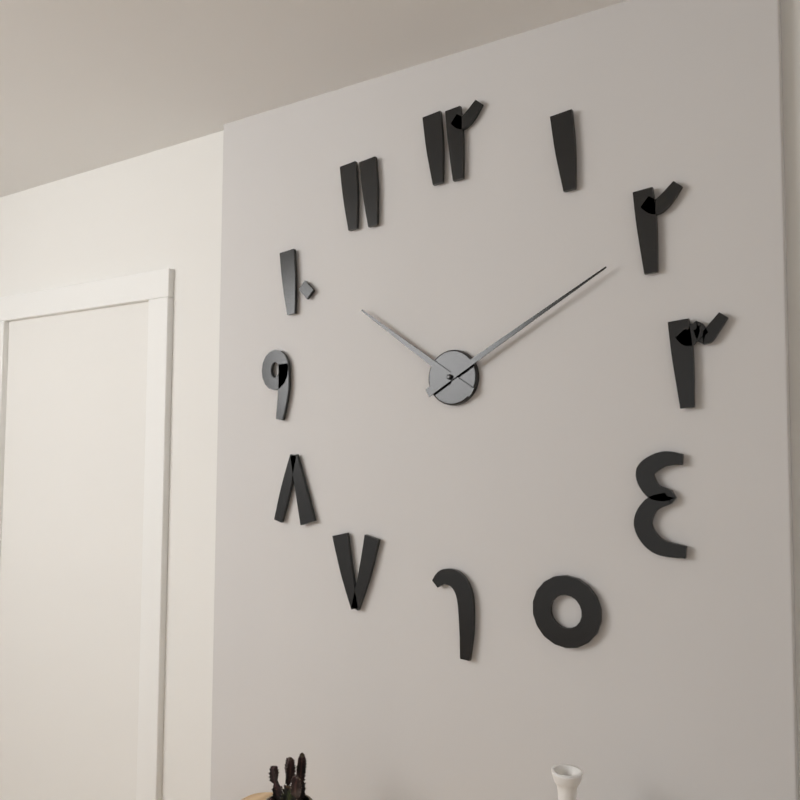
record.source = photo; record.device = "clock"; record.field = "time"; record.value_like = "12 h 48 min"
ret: 10 h 10 min
